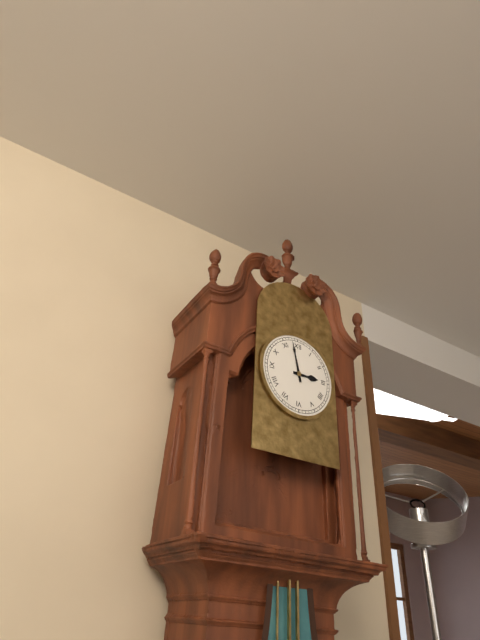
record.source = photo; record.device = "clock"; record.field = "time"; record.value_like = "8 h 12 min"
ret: 2 h 58 min
